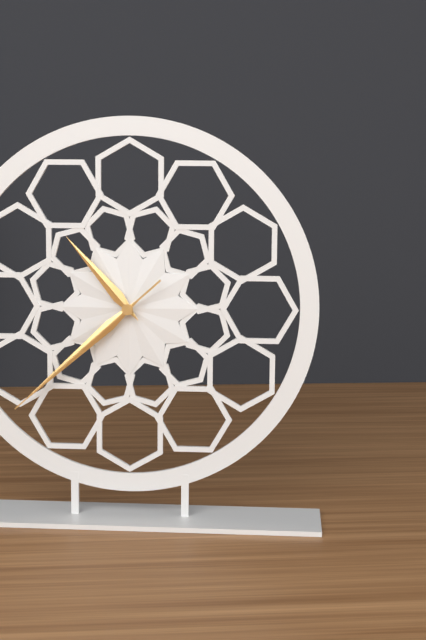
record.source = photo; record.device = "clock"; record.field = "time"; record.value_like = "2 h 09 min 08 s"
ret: 10 h 38 min 38 s
